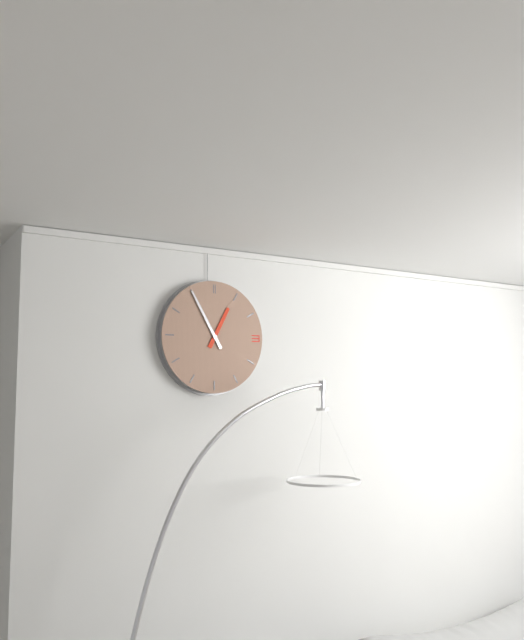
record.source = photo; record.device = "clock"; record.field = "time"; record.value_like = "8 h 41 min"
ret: 12 h 55 min
